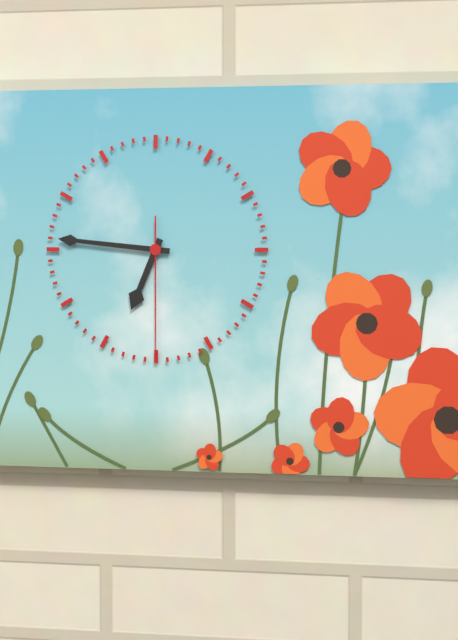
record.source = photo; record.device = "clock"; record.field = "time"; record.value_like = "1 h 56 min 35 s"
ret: 6 h 46 min 30 s
